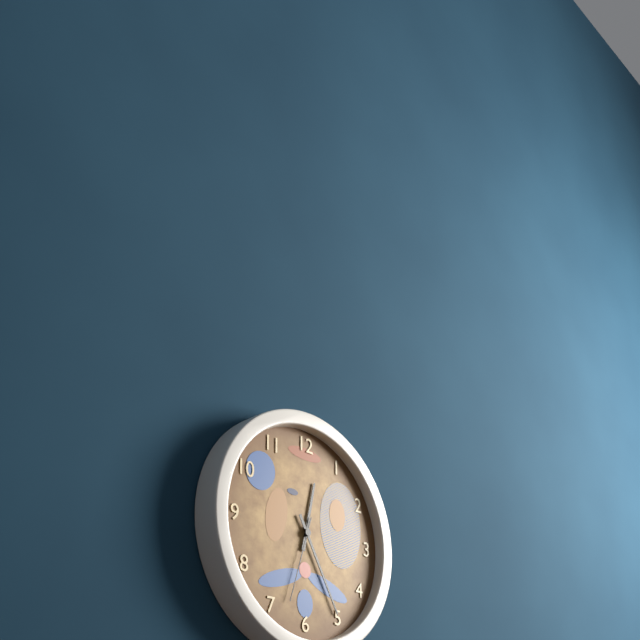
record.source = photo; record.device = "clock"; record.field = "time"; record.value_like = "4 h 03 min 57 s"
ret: 12 h 25 min 33 s
